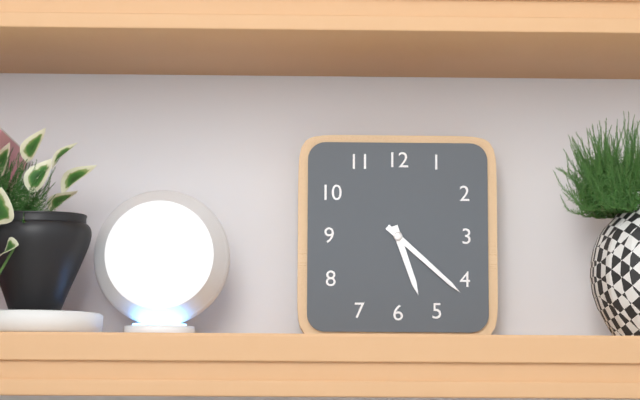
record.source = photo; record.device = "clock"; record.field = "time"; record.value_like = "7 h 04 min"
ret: 5 h 22 min
